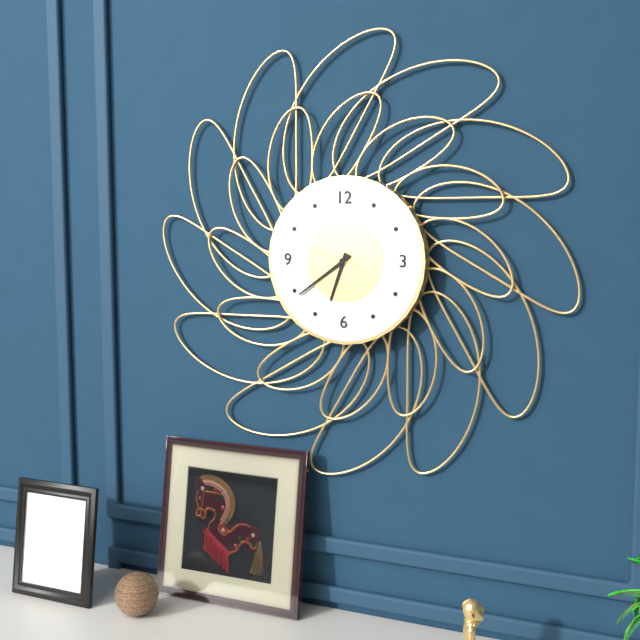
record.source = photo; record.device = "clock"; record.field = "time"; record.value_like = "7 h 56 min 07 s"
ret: 6 h 39 min 48 s
